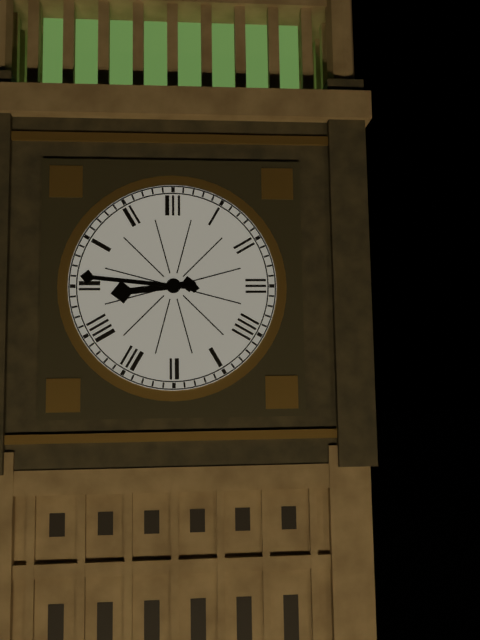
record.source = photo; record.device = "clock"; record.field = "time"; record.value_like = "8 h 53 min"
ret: 8 h 46 min
